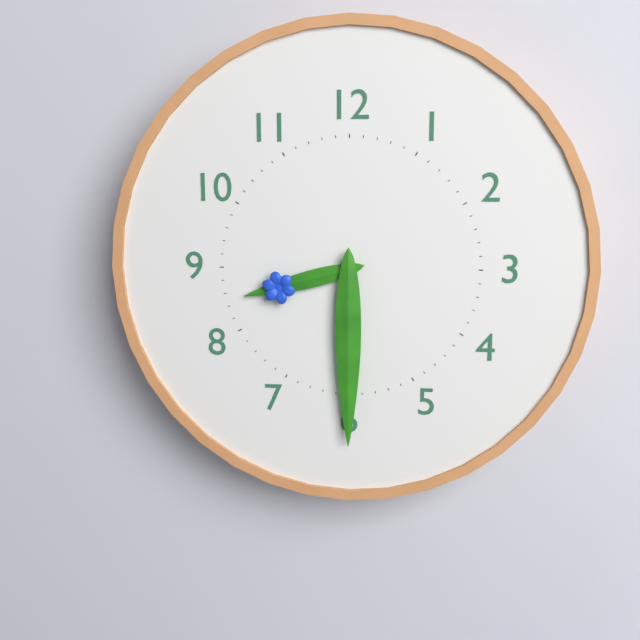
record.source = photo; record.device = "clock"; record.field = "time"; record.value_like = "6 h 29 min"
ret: 8 h 30 min
